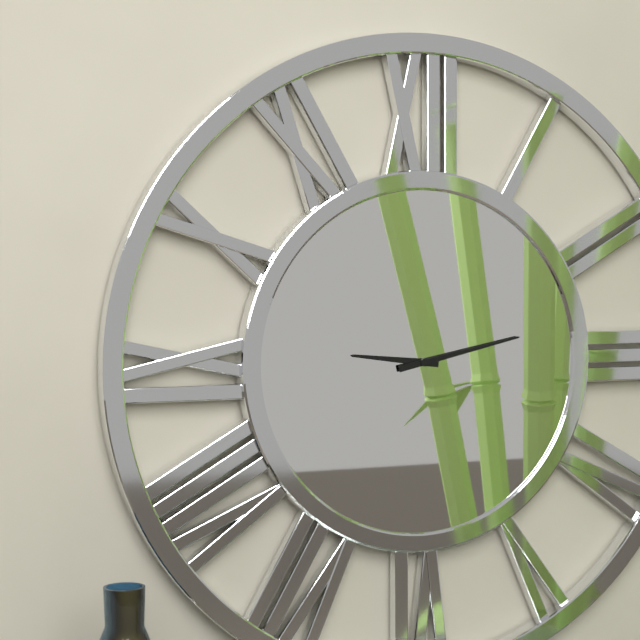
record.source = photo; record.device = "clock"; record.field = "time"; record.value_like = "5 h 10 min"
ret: 9 h 13 min
